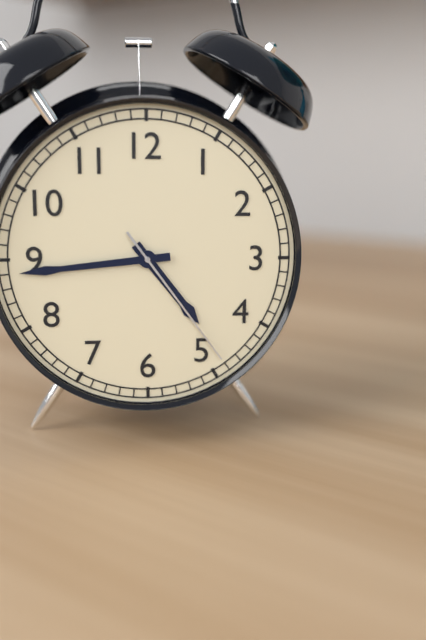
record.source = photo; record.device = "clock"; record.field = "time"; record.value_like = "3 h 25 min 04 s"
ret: 4 h 44 min 24 s
